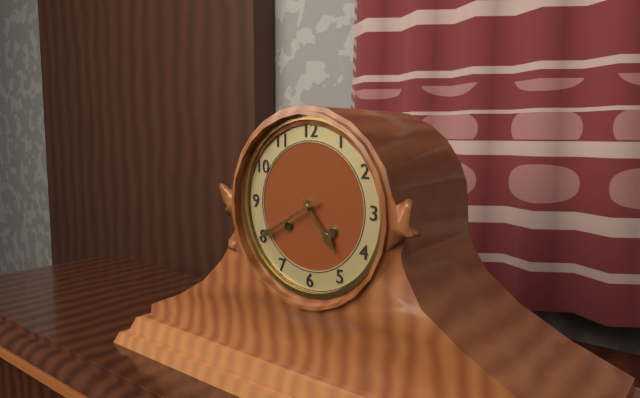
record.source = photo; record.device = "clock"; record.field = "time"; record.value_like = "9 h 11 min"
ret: 4 h 40 min
